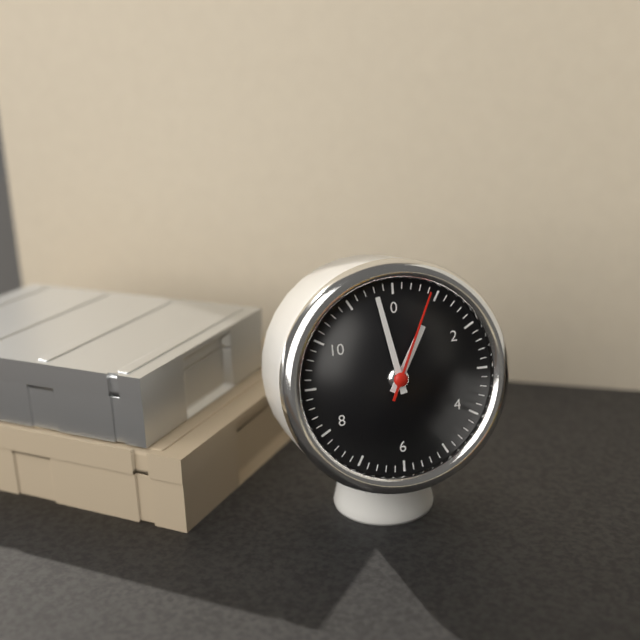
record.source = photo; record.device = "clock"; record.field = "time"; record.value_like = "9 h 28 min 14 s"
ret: 12 h 58 min 04 s
